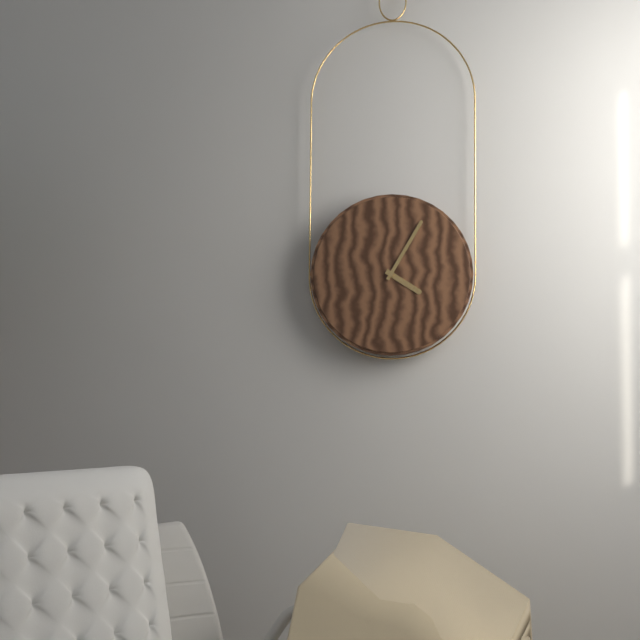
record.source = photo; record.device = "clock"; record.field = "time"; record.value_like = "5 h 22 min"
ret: 4 h 05 min
